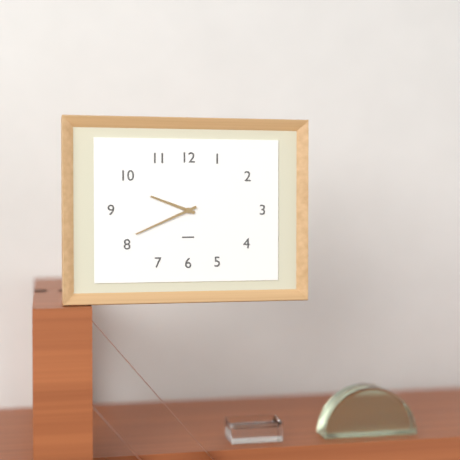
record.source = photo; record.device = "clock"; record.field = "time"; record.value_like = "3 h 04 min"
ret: 9 h 41 min
